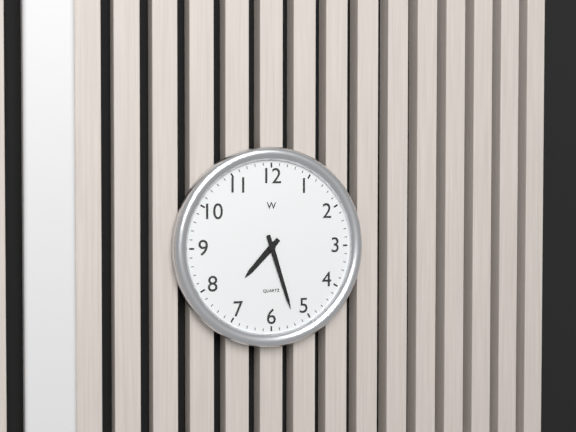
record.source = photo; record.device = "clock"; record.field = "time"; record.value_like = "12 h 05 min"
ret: 7 h 27 min
